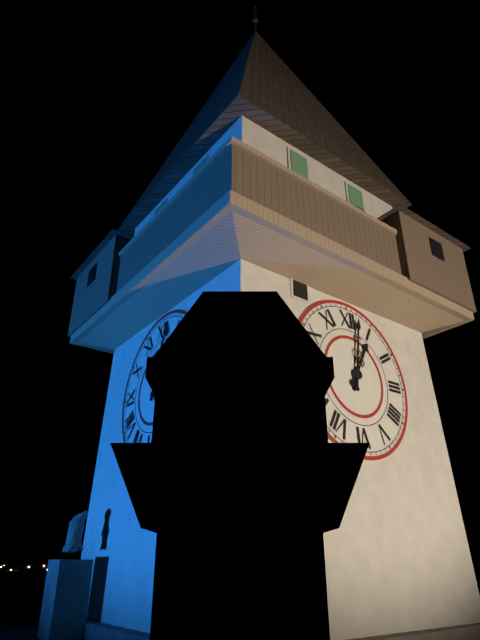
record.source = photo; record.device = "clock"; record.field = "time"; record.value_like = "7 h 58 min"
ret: 1 h 02 min
